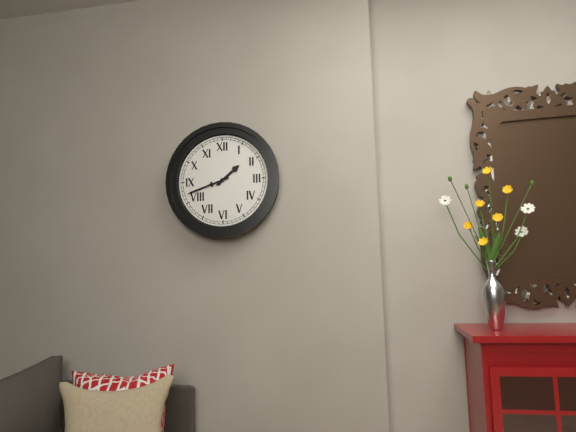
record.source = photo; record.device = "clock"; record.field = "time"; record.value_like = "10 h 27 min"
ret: 1 h 42 min
